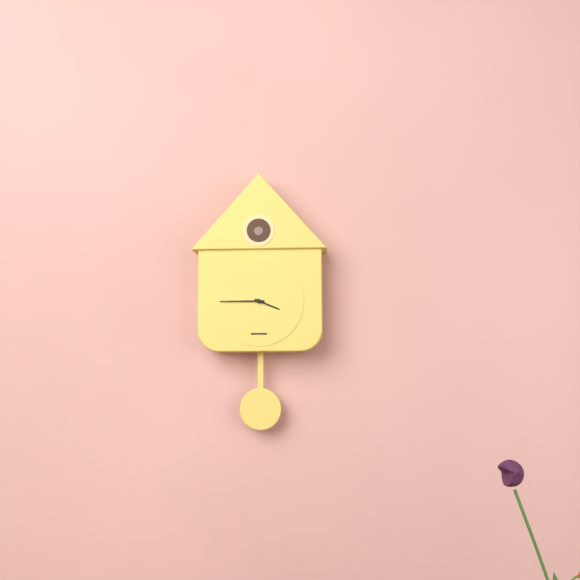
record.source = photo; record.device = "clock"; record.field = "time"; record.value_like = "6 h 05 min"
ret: 3 h 45 min
